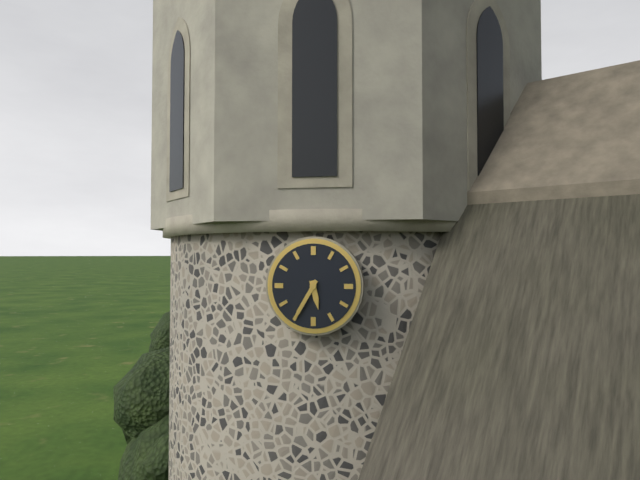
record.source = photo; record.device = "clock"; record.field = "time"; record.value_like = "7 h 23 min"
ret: 5 h 35 min
